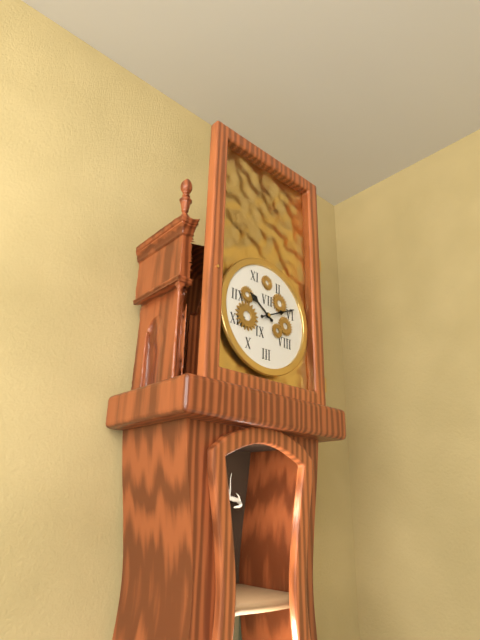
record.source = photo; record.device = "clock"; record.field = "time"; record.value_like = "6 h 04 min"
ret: 10 h 11 min
